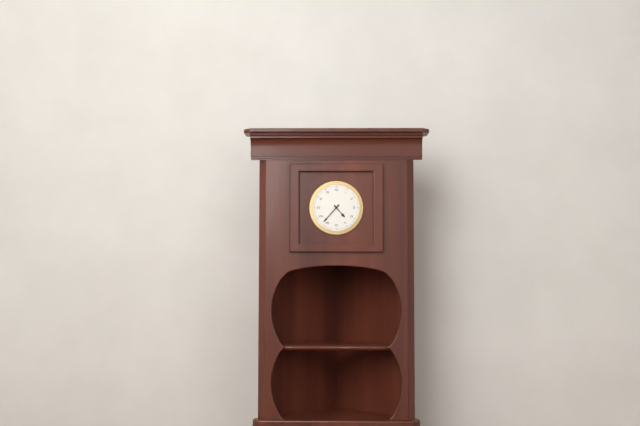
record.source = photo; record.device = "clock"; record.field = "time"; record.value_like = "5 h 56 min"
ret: 4 h 37 min
